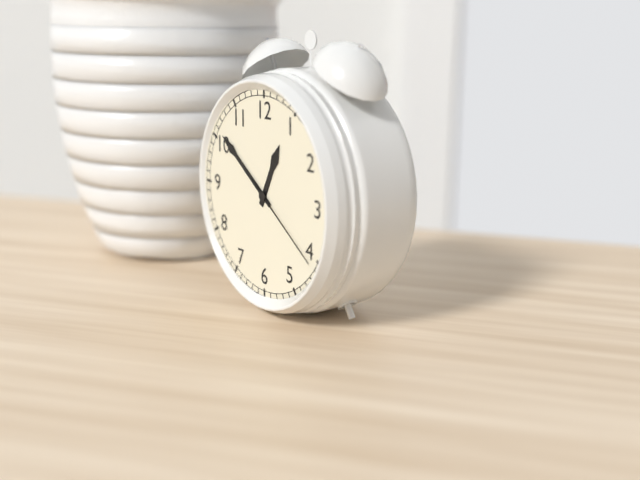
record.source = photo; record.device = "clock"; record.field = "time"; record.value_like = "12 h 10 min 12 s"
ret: 12 h 51 min 21 s
